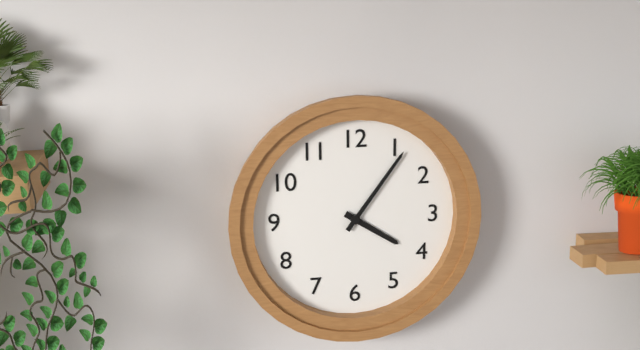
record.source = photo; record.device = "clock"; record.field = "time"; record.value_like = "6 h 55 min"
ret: 4 h 06 min
